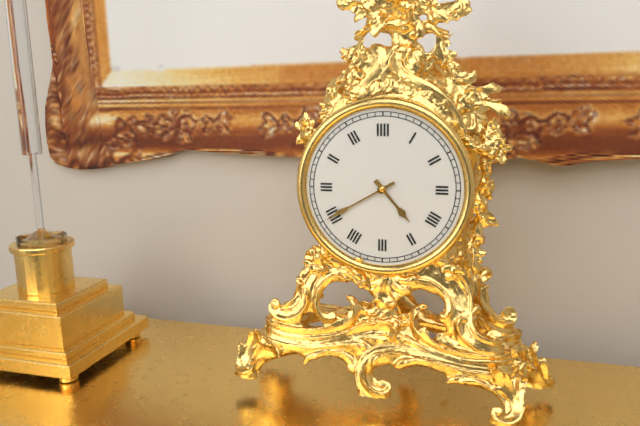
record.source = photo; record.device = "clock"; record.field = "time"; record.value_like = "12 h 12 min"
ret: 4 h 40 min
